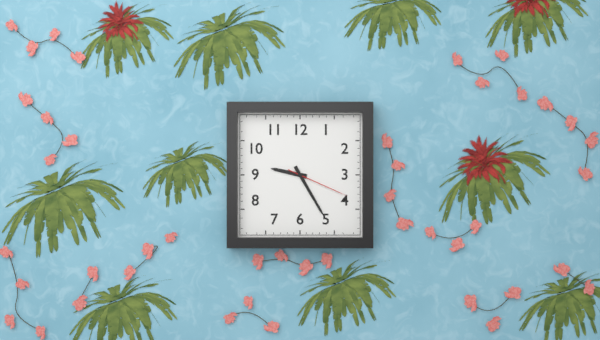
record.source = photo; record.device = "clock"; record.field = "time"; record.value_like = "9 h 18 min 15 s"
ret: 9 h 25 min 19 s
